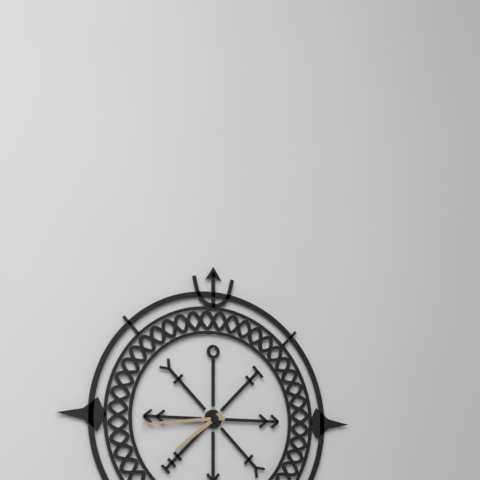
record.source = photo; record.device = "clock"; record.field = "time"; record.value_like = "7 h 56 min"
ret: 7 h 44 min
